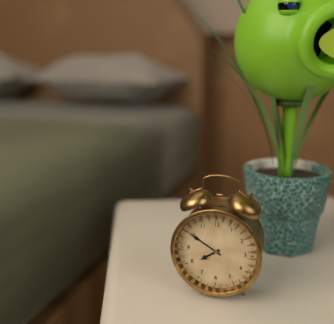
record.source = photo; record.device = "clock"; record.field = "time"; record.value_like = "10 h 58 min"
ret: 7 h 50 min
